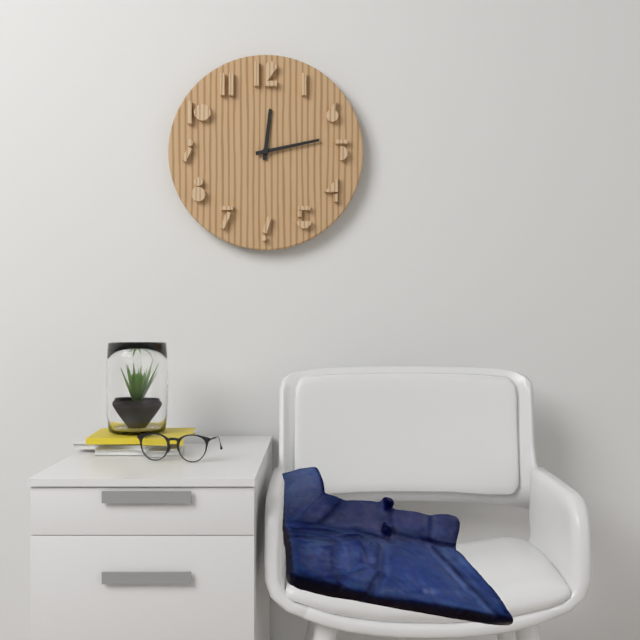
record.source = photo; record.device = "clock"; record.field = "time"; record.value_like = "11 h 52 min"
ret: 12 h 13 min
